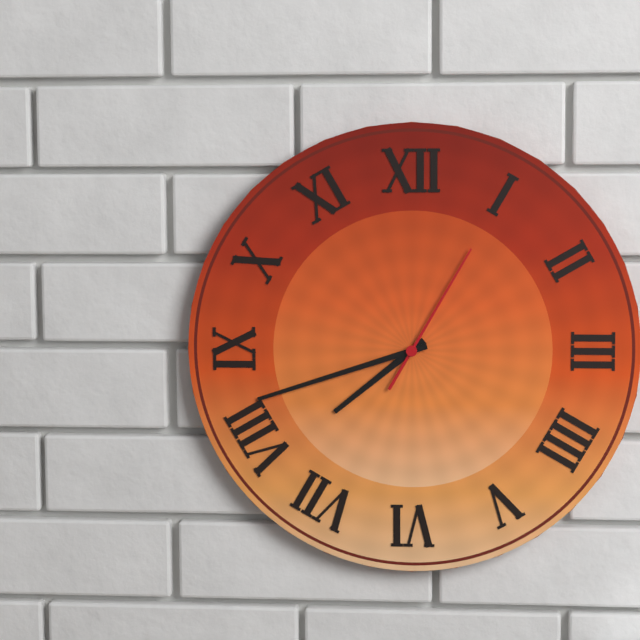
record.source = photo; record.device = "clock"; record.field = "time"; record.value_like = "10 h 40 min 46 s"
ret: 7 h 42 min 05 s
